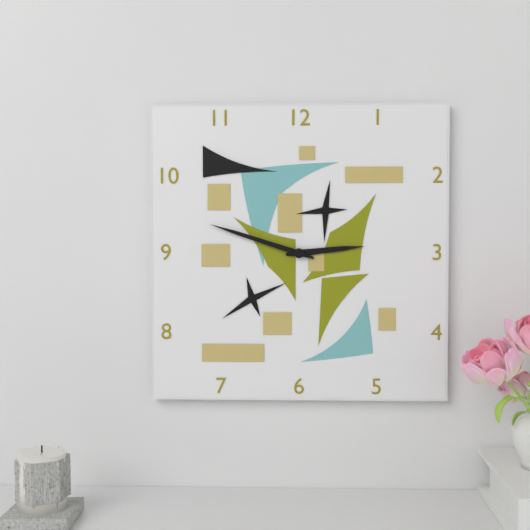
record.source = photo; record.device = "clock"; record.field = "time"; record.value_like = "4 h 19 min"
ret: 2 h 48 min
